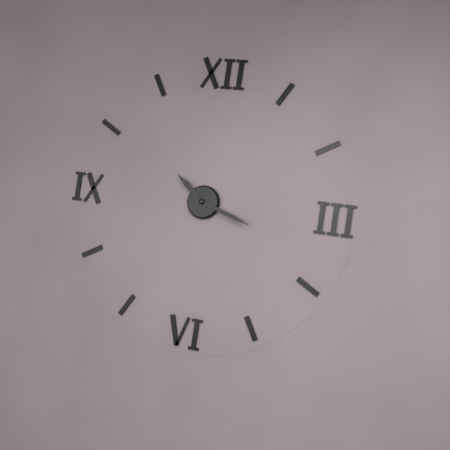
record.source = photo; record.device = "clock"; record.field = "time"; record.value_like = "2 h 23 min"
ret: 10 h 18 min
